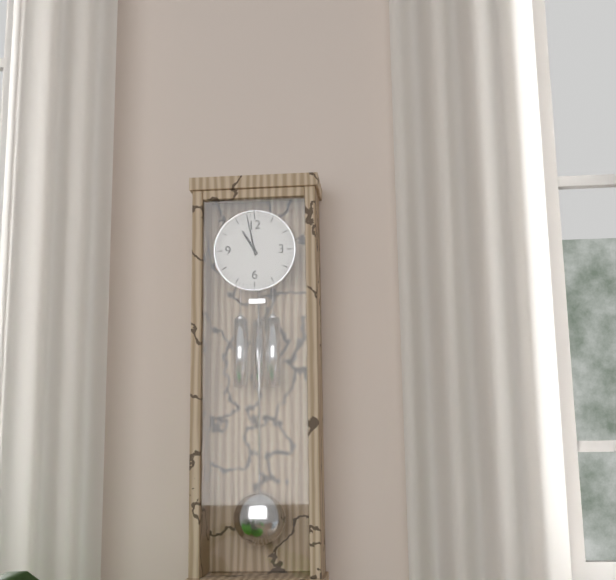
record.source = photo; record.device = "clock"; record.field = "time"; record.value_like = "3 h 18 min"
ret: 10 h 58 min
